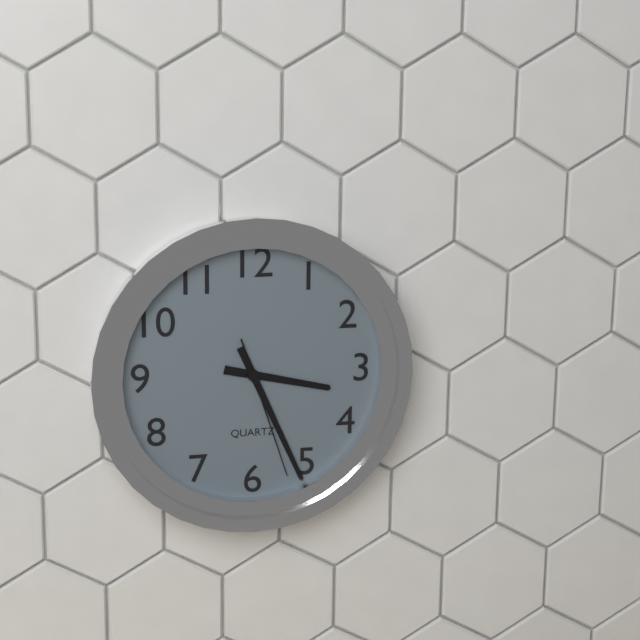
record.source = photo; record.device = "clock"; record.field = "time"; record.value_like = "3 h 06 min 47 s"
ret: 3 h 26 min 27 s
